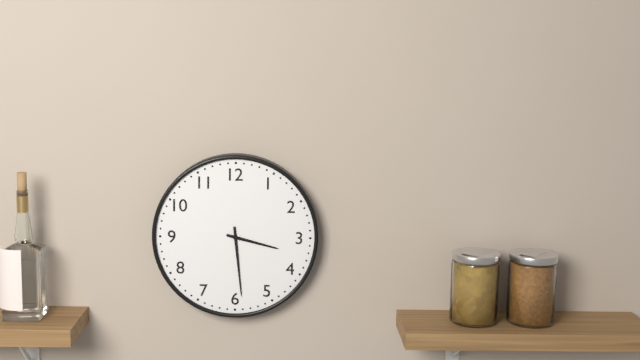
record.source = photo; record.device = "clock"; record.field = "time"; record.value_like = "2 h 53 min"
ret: 3 h 29 min
